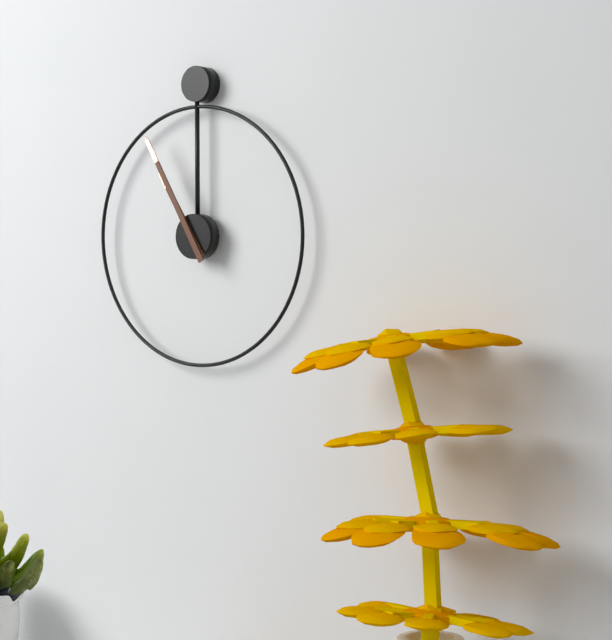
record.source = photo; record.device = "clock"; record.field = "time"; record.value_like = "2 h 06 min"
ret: 10 h 55 min
